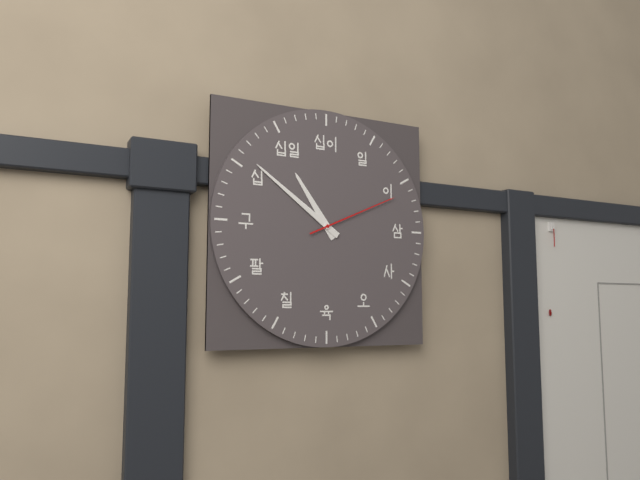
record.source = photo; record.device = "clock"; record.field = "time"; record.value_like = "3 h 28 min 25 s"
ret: 10 h 51 min 11 s
